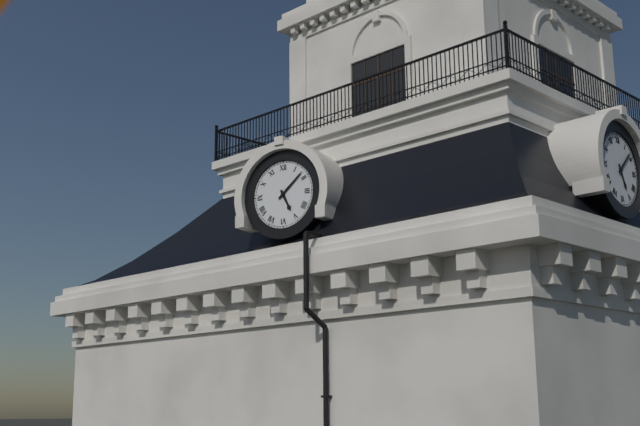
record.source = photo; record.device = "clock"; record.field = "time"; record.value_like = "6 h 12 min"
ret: 5 h 08 min
